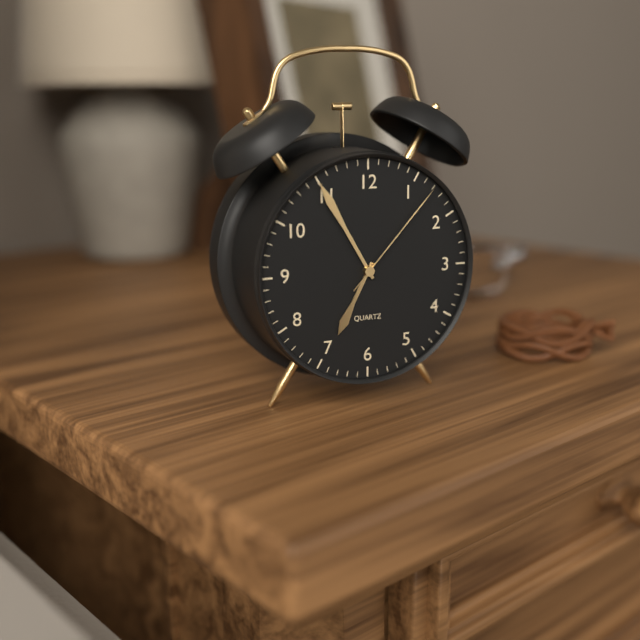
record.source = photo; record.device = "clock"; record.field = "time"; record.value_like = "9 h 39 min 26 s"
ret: 6 h 55 min 07 s
